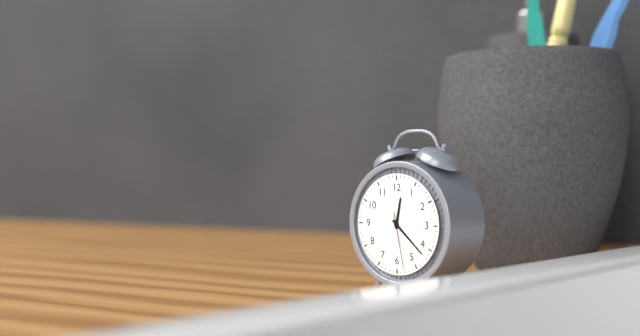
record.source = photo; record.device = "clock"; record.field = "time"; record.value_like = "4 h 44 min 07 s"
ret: 12 h 22 min 28 s
